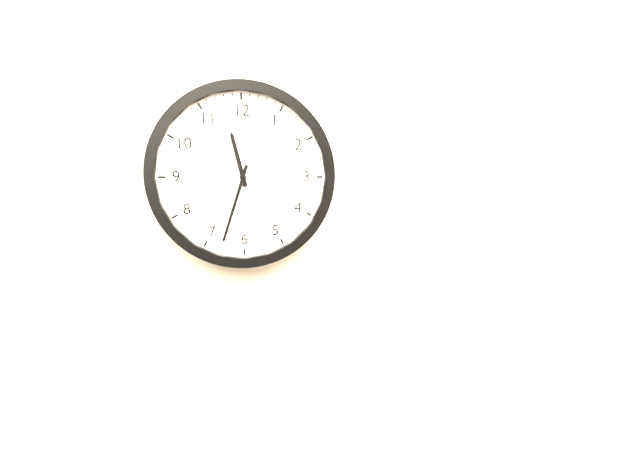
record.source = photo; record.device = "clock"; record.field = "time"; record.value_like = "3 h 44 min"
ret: 11 h 33 min
